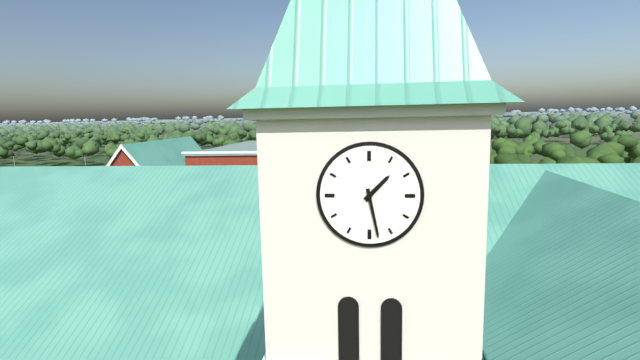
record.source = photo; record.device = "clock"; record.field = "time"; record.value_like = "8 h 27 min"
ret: 1 h 28 min
